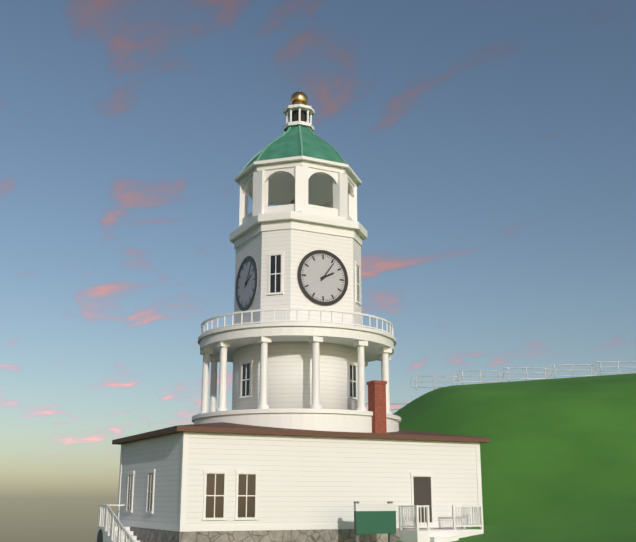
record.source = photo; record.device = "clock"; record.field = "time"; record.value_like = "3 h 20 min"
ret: 2 h 06 min
